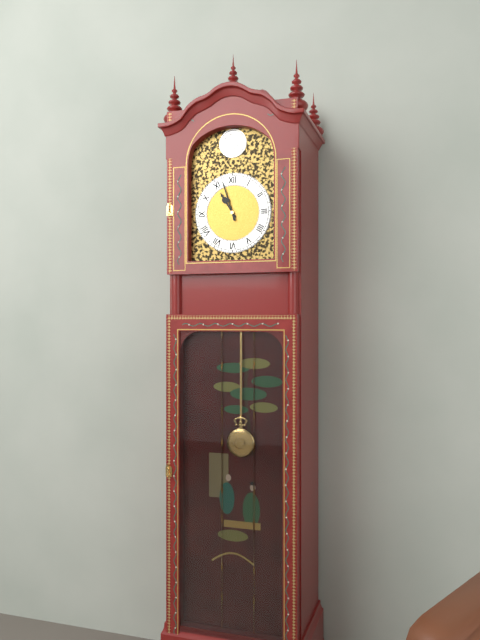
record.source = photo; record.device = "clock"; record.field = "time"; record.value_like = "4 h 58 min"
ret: 10 h 57 min
